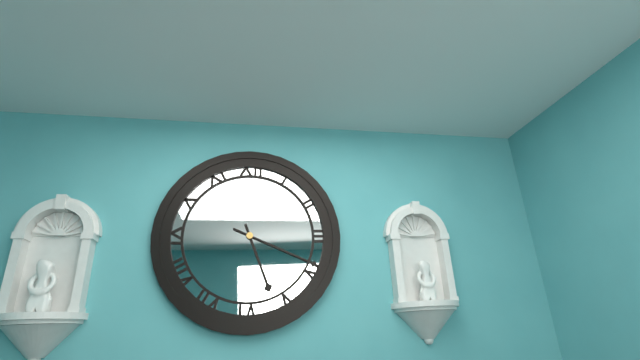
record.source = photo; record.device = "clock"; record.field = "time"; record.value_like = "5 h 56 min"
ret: 5 h 19 min
